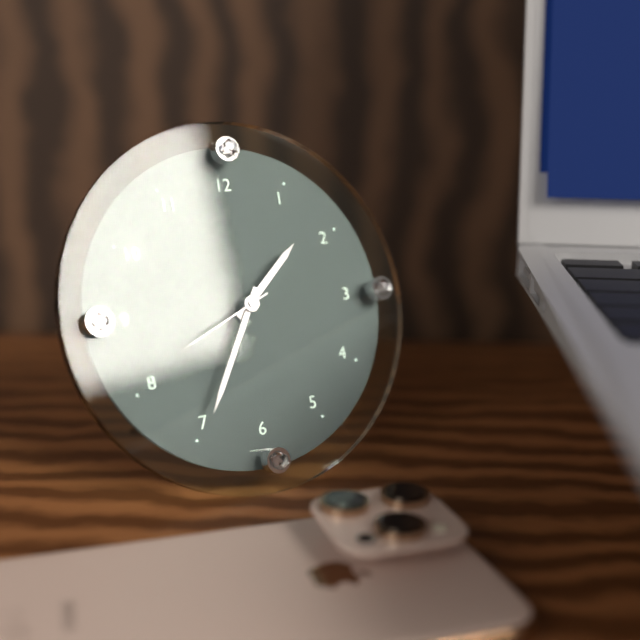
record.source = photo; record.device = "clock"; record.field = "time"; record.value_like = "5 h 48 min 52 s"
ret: 1 h 35 min 41 s
